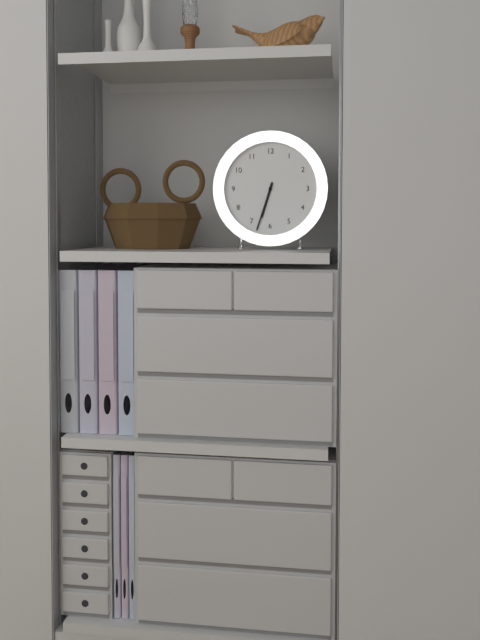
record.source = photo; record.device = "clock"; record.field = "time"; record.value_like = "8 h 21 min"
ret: 6 h 33 min
